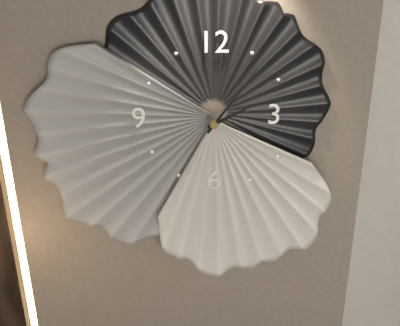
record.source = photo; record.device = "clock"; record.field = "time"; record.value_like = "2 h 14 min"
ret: 2 h 06 min
